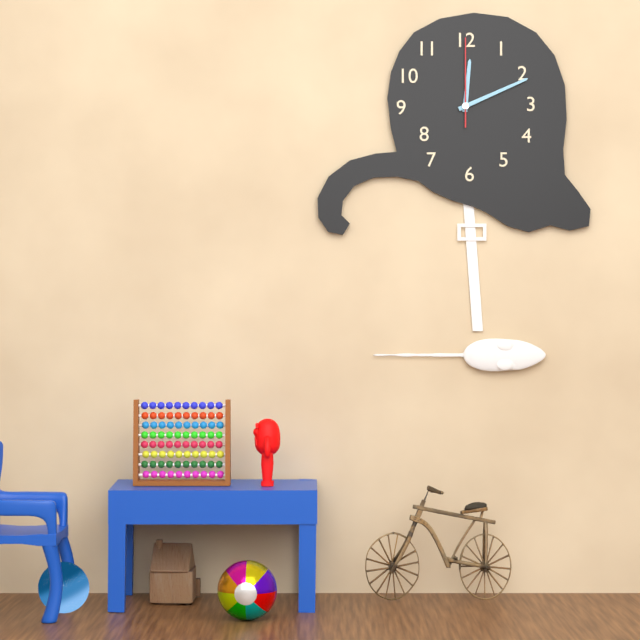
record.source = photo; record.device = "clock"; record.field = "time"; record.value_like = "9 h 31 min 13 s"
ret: 12 h 11 min 00 s
